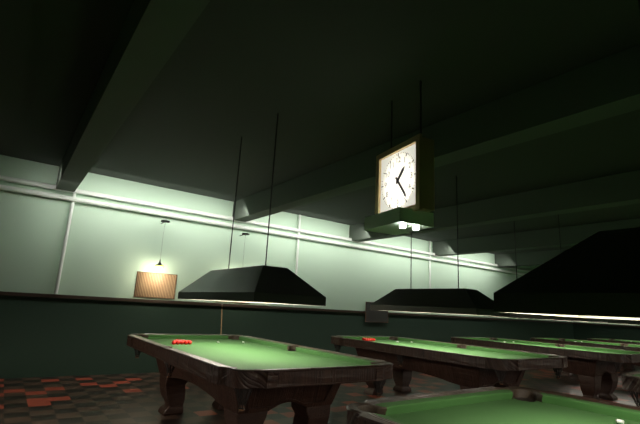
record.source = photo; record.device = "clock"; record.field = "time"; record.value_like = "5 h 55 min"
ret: 1 h 24 min
